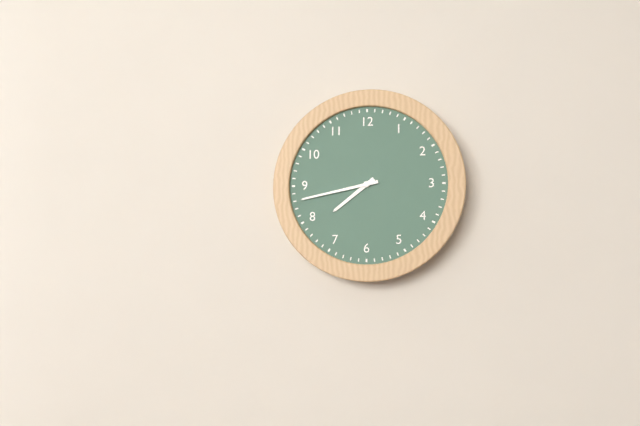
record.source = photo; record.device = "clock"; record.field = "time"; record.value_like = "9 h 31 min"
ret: 7 h 43 min
